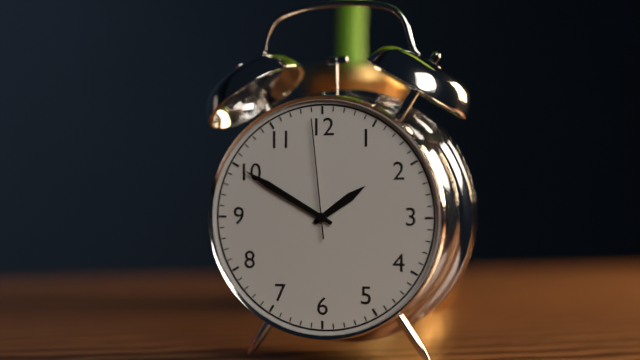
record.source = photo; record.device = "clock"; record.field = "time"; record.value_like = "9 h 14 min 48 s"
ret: 1 h 50 min 59 s
